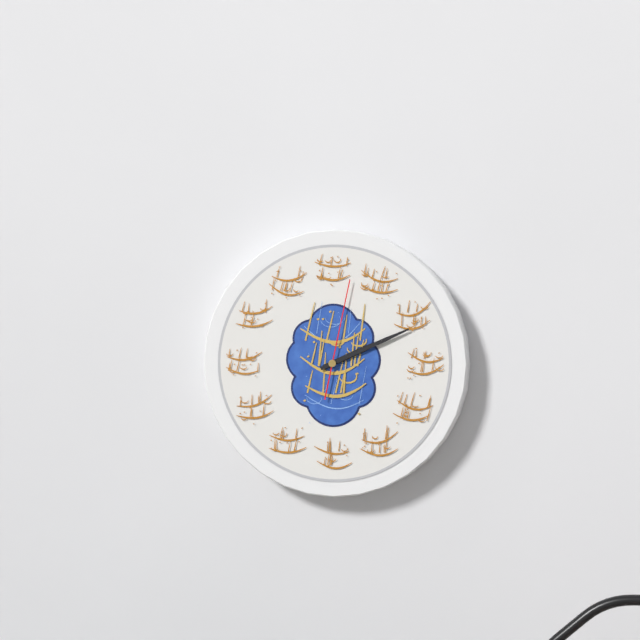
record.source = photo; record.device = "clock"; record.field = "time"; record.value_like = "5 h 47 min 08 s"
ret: 2 h 11 min 02 s
